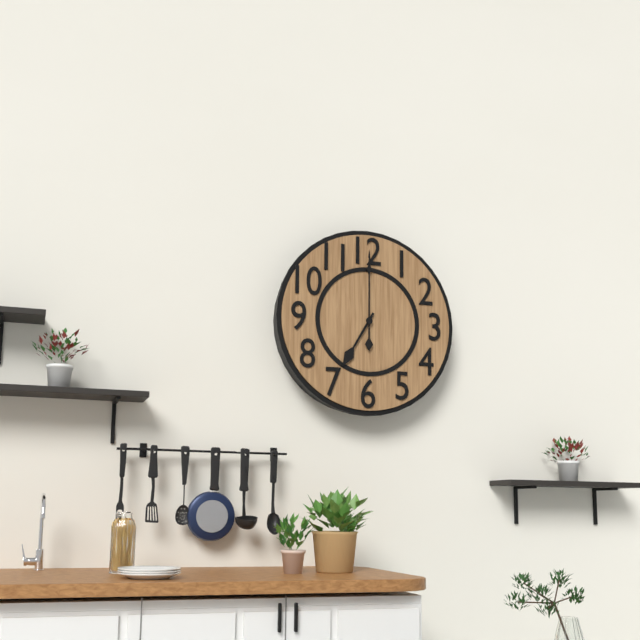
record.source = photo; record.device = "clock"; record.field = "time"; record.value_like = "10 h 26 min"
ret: 7 h 00 min
